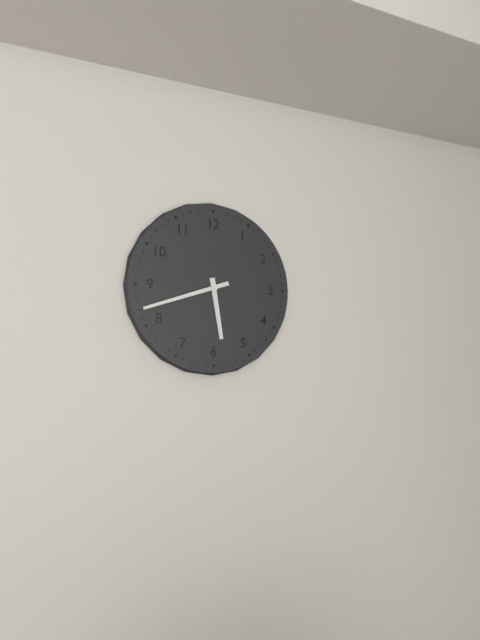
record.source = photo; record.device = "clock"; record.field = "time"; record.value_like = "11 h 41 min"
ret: 5 h 42 min
